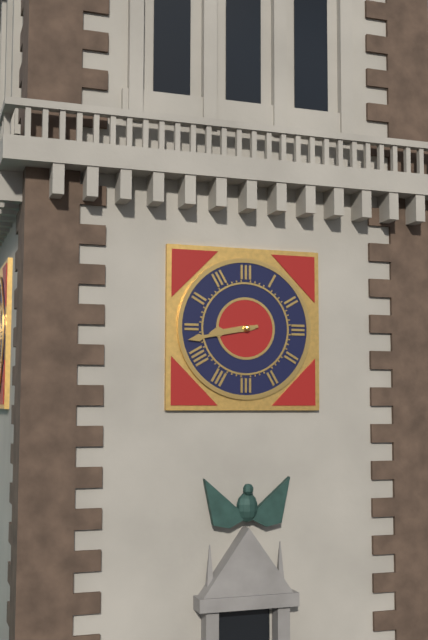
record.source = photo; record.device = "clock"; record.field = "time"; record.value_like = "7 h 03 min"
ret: 8 h 43 min
